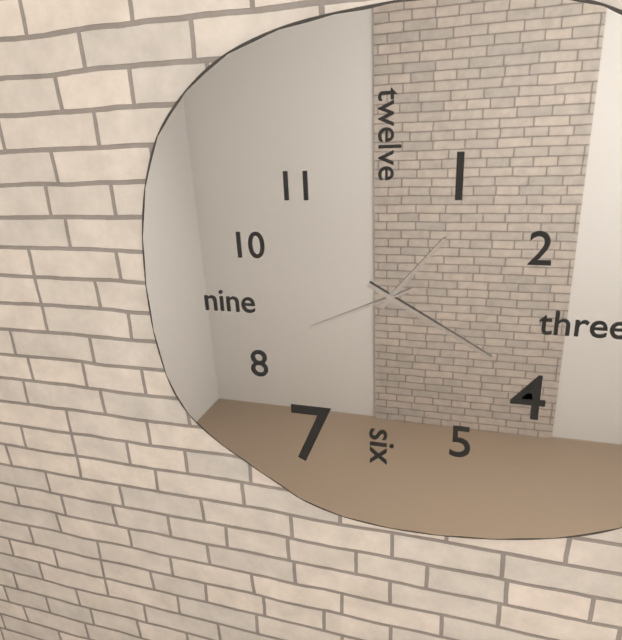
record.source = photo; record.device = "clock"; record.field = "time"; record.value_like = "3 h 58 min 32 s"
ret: 1 h 20 min 41 s
